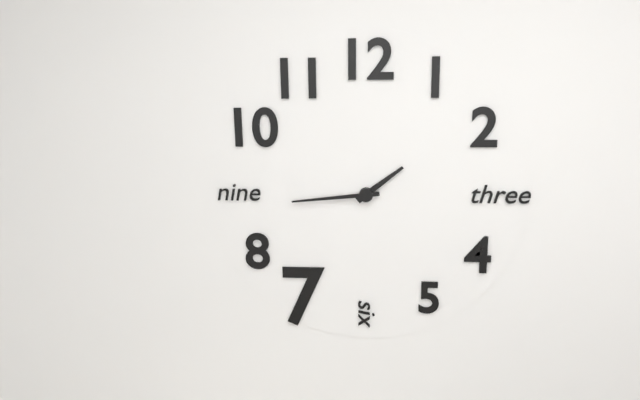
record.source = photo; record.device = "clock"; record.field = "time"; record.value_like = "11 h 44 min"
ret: 1 h 44 min
